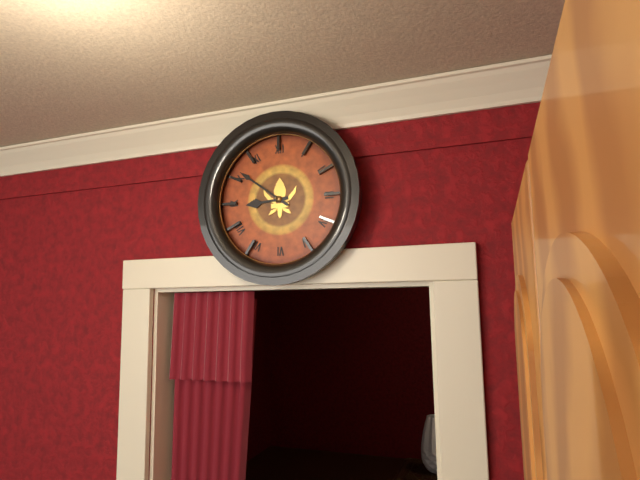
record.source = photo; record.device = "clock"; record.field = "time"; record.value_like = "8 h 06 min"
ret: 8 h 51 min
